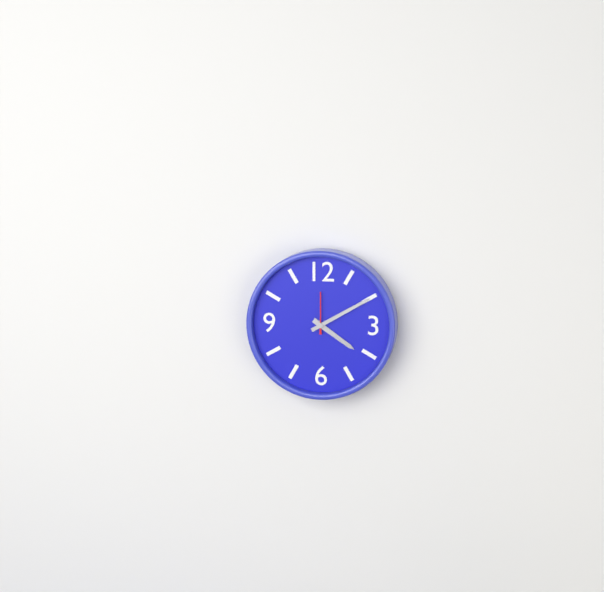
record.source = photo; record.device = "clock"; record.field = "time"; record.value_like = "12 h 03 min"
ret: 4 h 10 min
